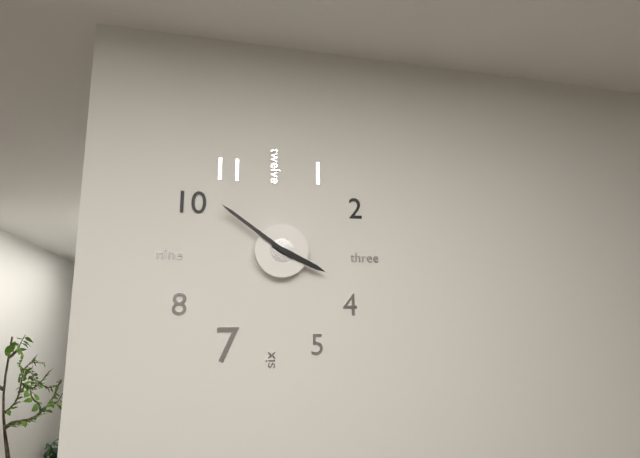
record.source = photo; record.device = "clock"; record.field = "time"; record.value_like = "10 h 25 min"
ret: 3 h 51 min
